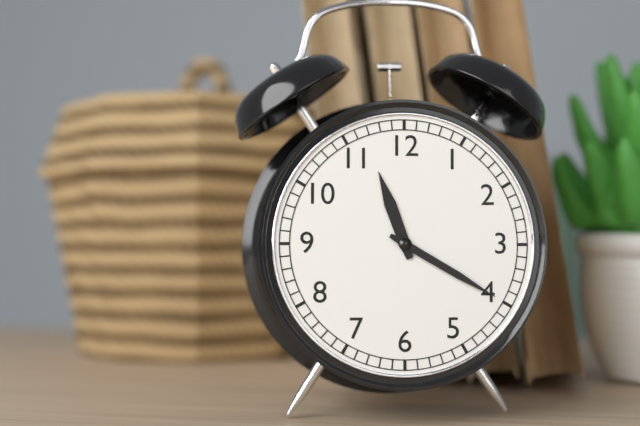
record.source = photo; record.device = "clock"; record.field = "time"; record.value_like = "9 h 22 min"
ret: 11 h 20 min
